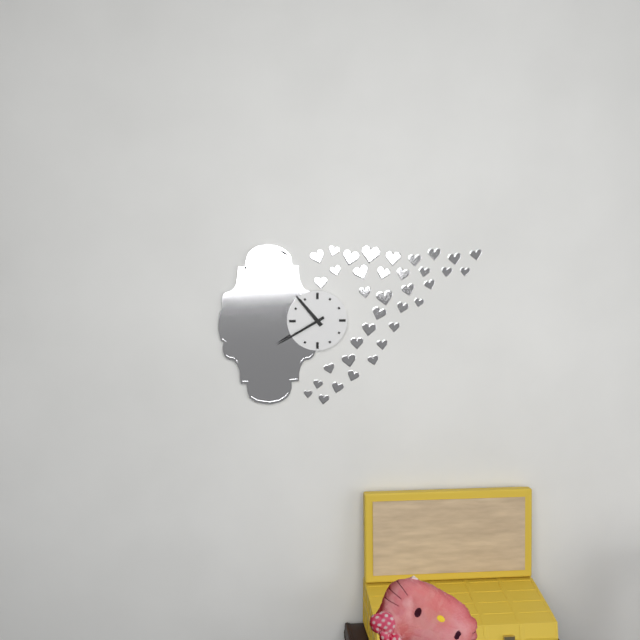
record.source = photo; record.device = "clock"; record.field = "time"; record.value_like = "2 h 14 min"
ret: 10 h 40 min
